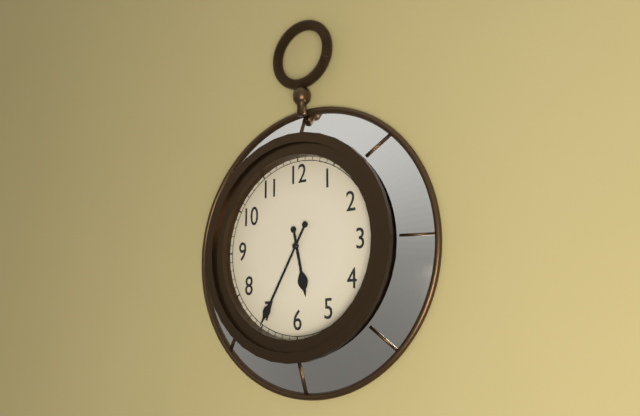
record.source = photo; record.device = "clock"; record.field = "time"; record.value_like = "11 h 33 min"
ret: 5 h 35 min
